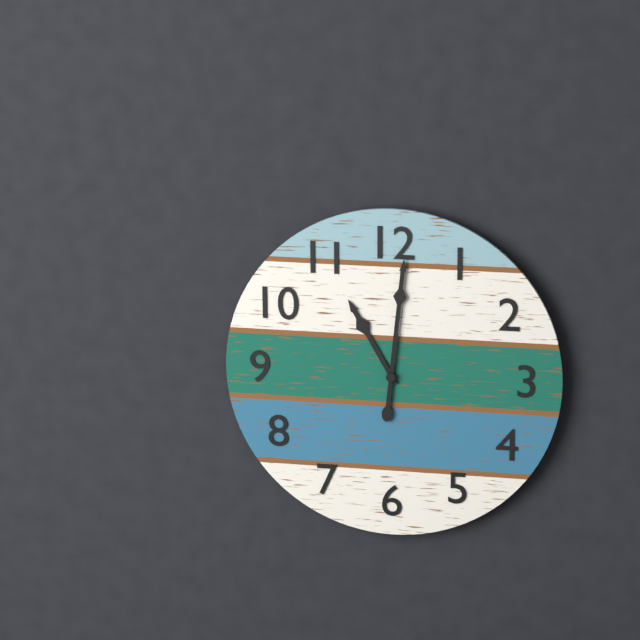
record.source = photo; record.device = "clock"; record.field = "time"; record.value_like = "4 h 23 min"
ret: 11 h 01 min
